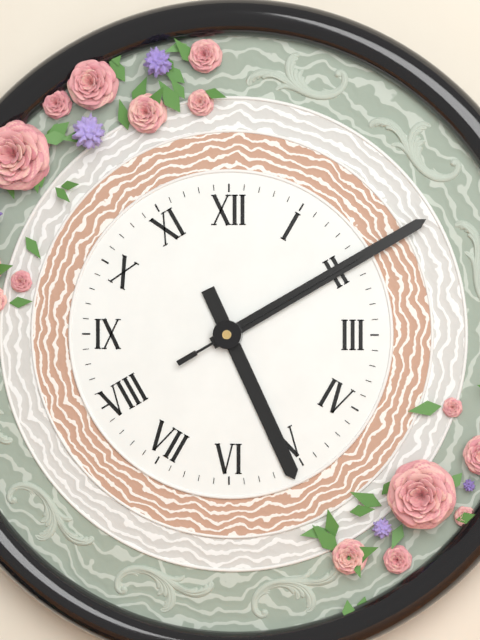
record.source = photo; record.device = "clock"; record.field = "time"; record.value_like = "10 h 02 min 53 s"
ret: 5 h 10 min 10 s
